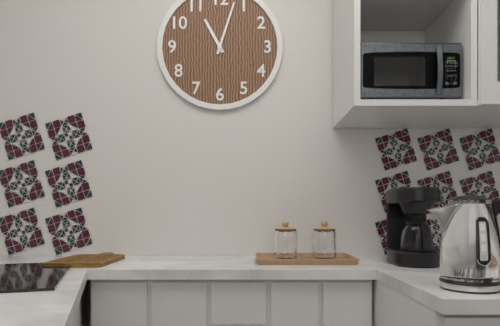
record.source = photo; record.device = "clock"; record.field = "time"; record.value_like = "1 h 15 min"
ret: 11 h 03 min
